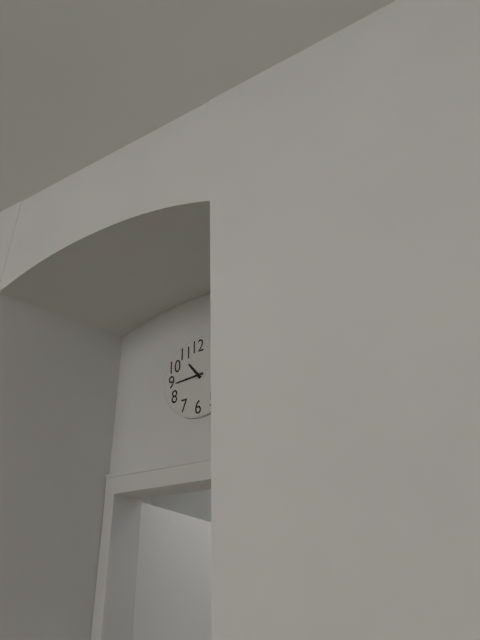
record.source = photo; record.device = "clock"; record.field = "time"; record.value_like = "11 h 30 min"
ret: 10 h 44 min
